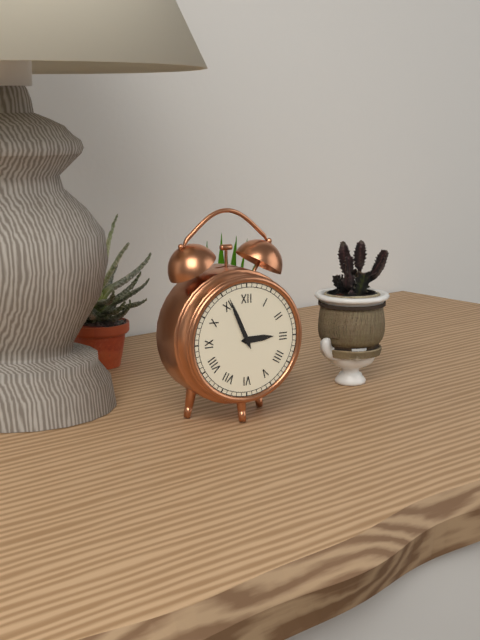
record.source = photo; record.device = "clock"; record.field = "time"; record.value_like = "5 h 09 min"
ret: 2 h 56 min
